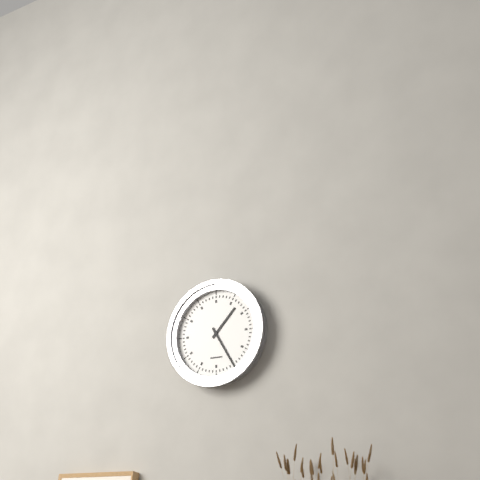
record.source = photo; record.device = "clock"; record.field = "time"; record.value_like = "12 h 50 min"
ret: 1 h 25 min
